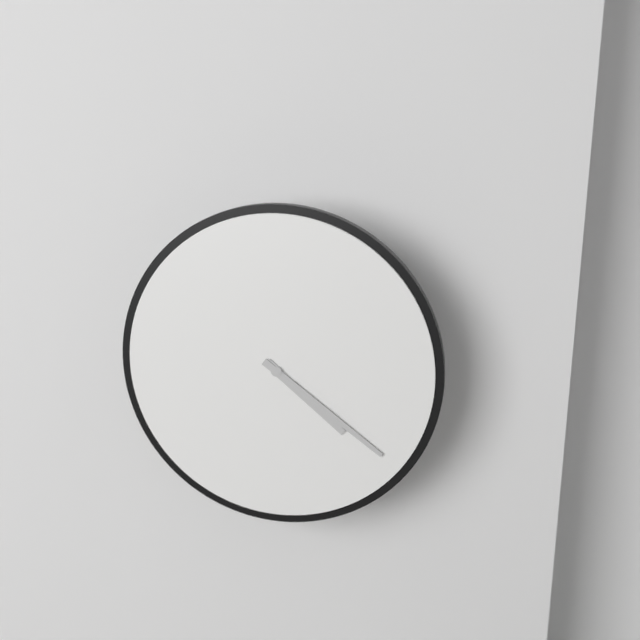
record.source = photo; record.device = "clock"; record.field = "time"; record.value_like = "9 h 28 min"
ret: 4 h 21 min
